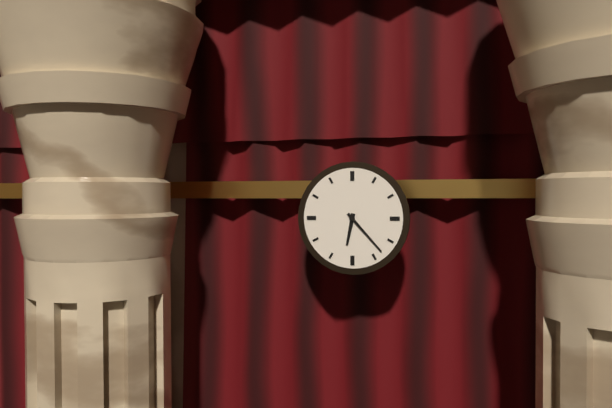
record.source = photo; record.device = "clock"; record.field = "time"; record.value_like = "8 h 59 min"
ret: 6 h 23 min
